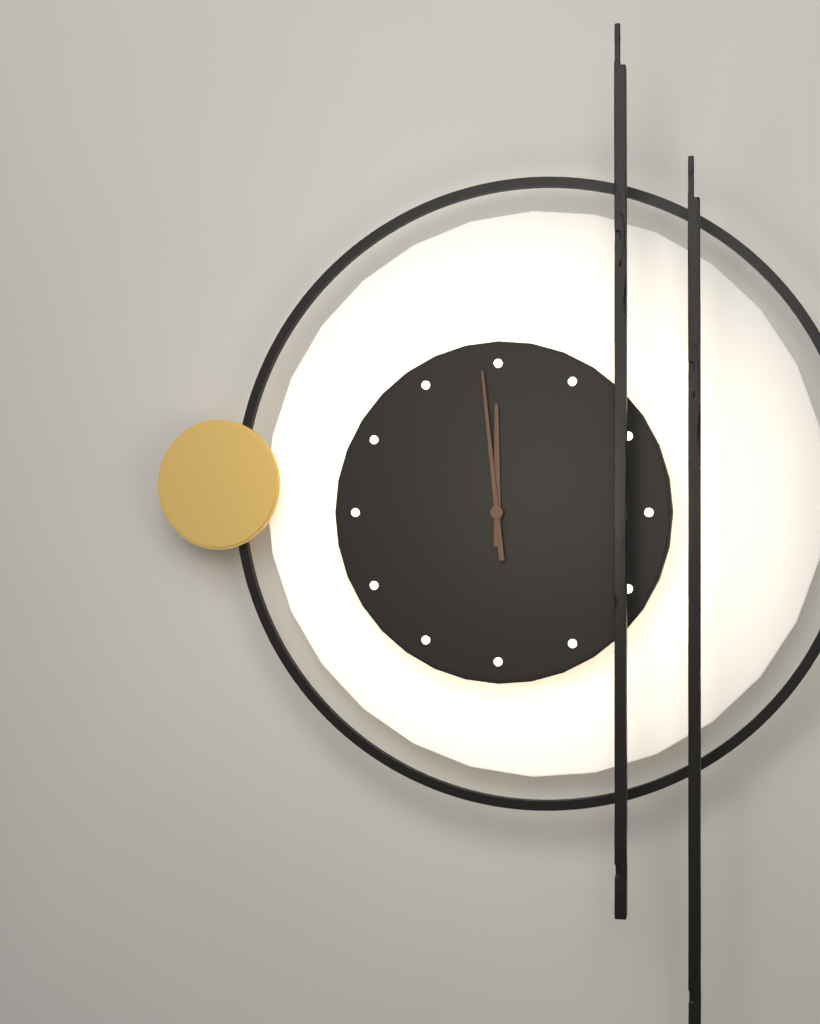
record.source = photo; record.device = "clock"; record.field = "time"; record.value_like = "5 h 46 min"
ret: 11 h 59 min
